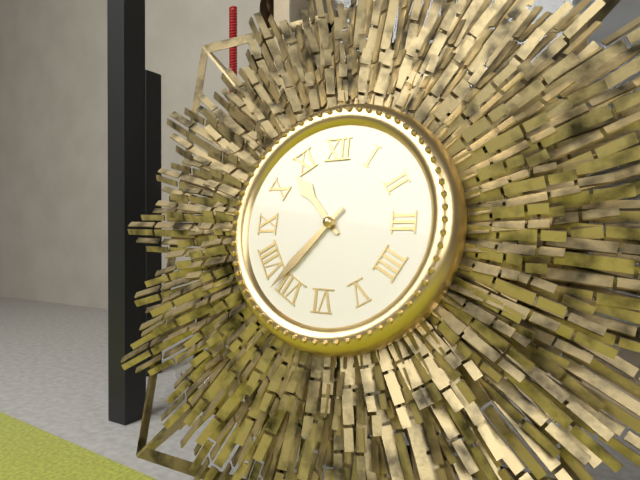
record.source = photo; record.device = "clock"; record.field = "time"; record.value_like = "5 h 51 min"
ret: 10 h 37 min
